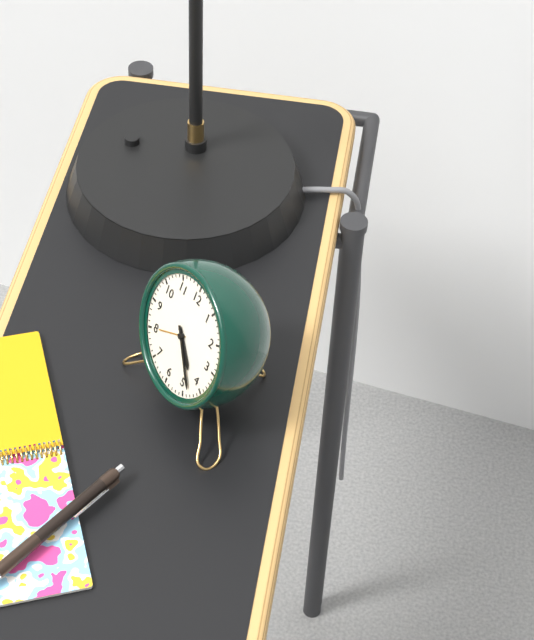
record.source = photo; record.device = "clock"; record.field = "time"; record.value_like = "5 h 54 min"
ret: 4 h 23 min
